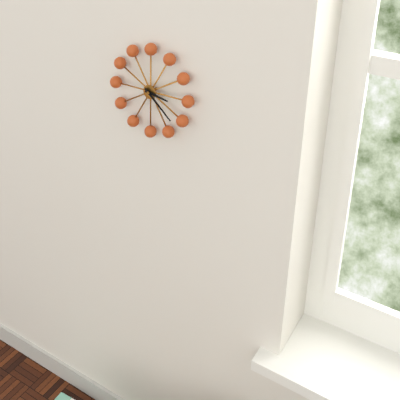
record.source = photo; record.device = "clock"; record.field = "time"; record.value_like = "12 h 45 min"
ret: 3 h 22 min
